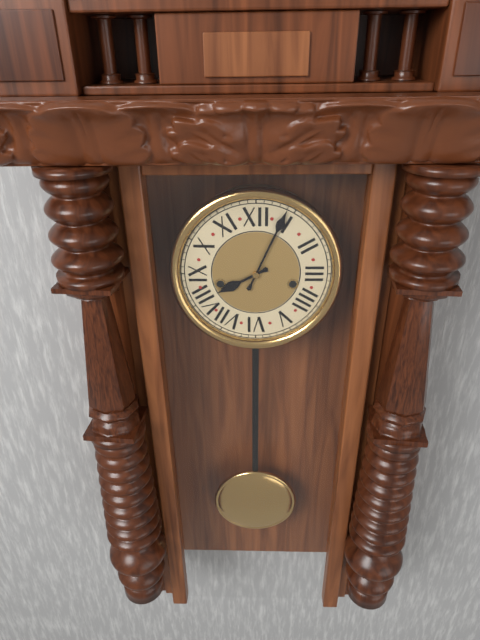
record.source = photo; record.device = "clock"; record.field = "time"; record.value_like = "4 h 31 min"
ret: 8 h 04 min
